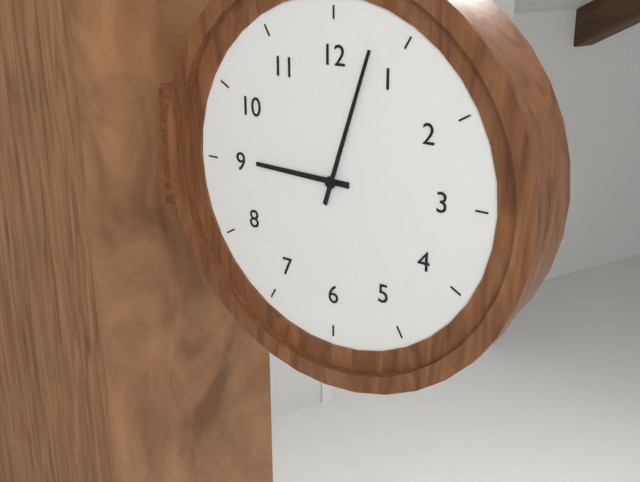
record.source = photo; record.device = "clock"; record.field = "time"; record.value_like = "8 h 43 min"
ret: 9 h 03 min
